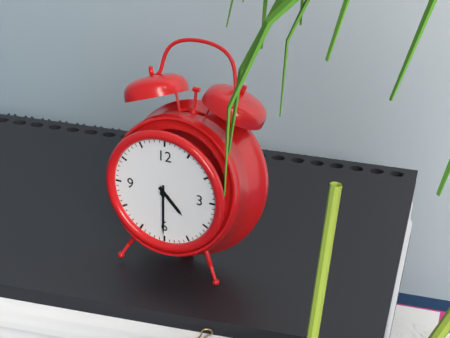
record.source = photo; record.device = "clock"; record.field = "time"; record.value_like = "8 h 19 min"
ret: 4 h 30 min
